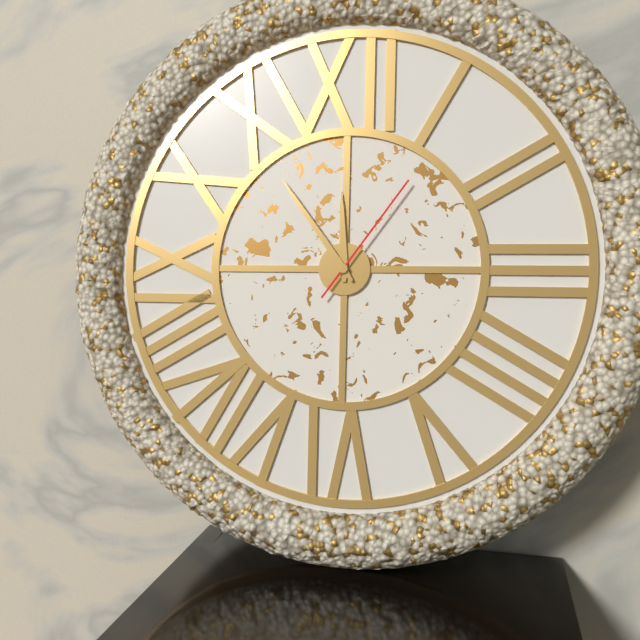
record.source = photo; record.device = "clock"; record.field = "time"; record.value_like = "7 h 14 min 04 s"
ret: 11 h 54 min 06 s
